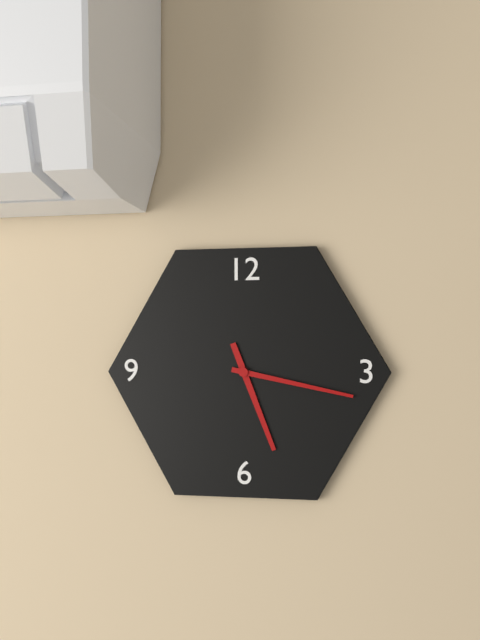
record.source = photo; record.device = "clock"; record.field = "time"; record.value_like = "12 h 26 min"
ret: 5 h 17 min
